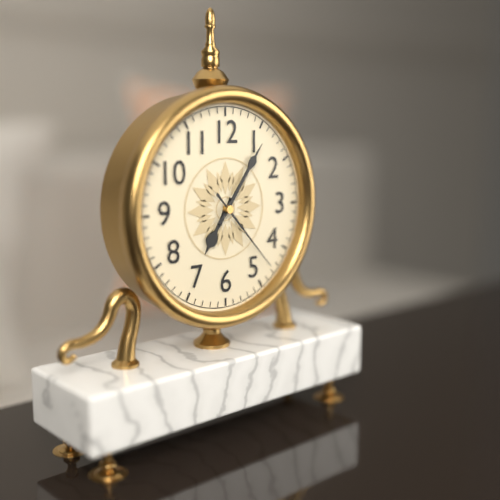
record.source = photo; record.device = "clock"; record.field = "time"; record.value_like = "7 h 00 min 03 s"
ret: 7 h 06 min 23 s
